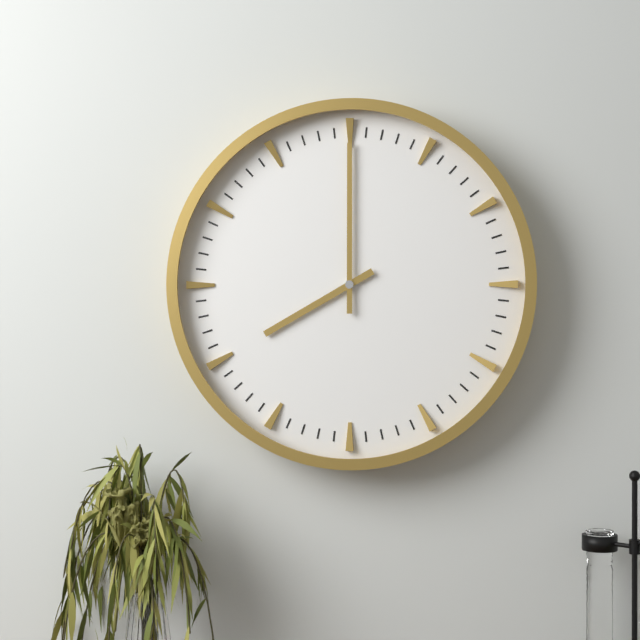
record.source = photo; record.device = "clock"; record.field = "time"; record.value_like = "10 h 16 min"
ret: 8 h 00 min
